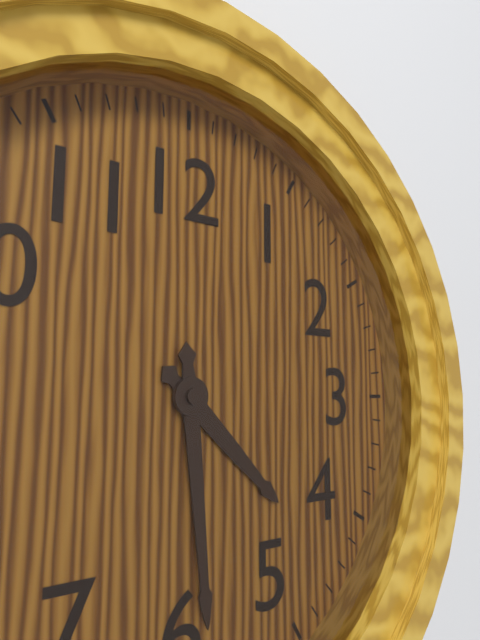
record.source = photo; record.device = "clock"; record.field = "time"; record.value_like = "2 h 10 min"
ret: 4 h 29 min
